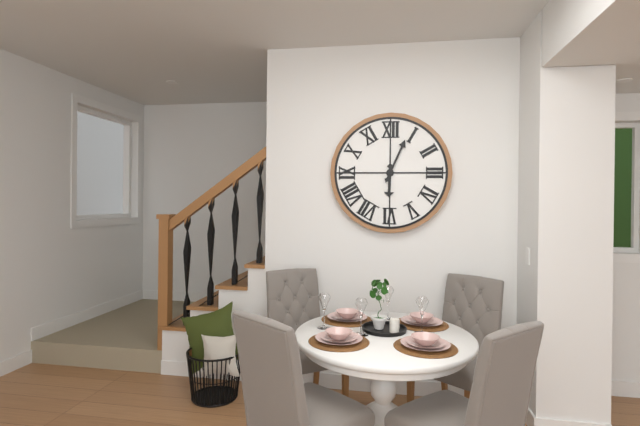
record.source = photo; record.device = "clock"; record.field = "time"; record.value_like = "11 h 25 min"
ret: 6 h 04 min
